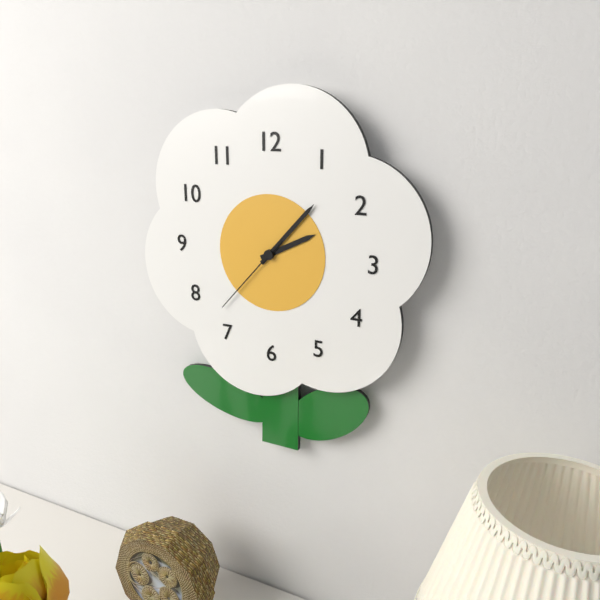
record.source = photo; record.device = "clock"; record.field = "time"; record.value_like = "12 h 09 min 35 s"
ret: 2 h 07 min 37 s
